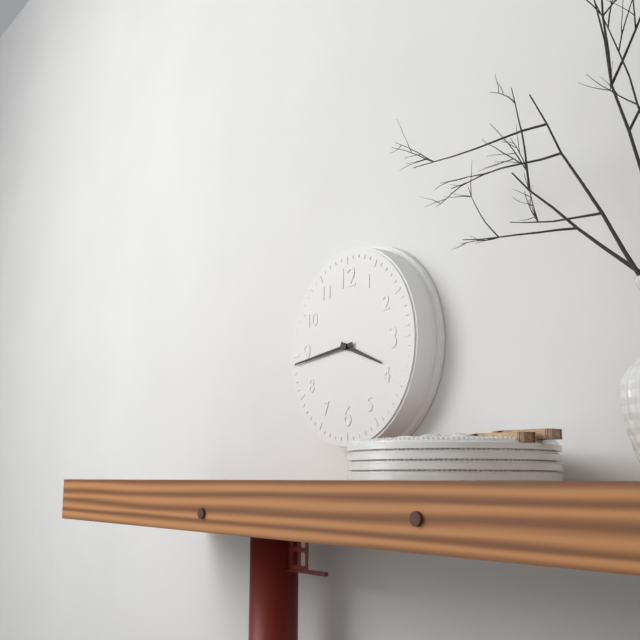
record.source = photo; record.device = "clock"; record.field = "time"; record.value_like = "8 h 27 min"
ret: 3 h 44 min
